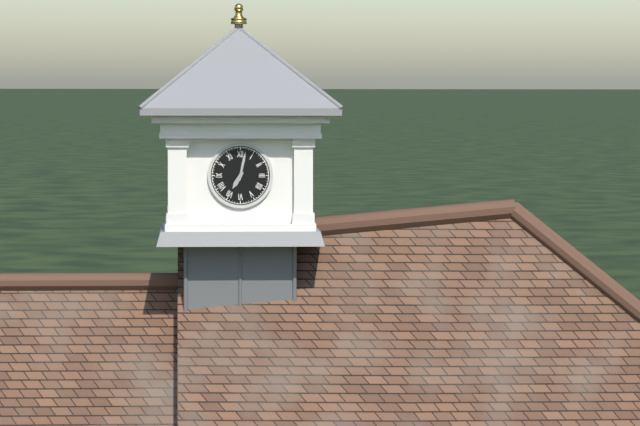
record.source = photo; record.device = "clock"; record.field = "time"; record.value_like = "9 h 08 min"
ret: 7 h 02 min
